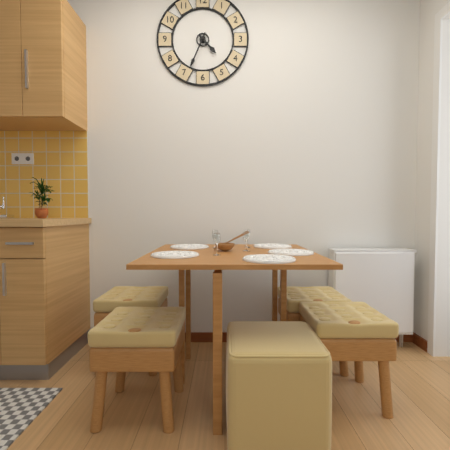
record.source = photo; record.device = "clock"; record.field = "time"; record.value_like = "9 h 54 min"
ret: 4 h 34 min
